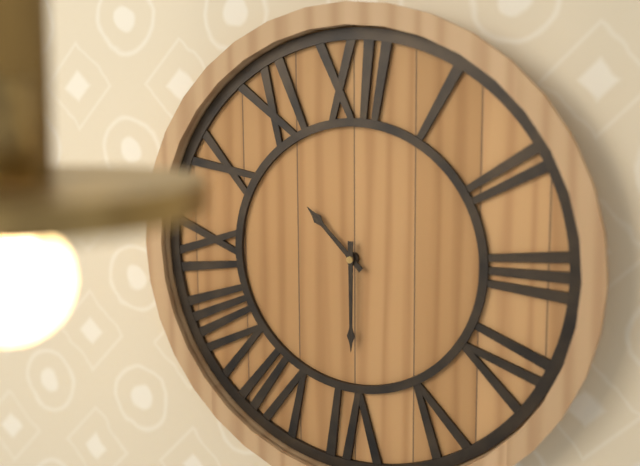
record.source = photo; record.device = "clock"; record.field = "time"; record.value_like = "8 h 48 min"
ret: 10 h 30 min
